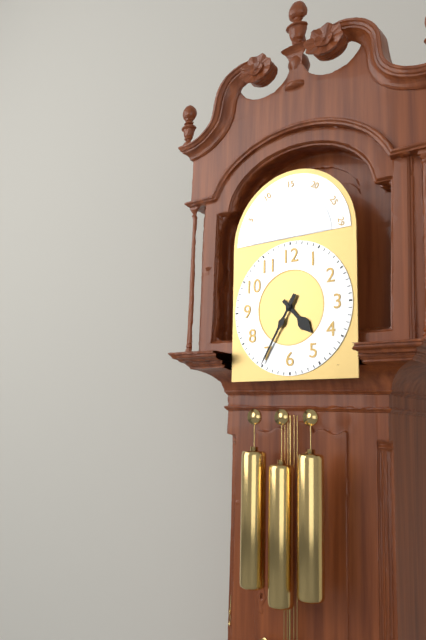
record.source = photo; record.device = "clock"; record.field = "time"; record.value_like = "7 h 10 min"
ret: 4 h 35 min
